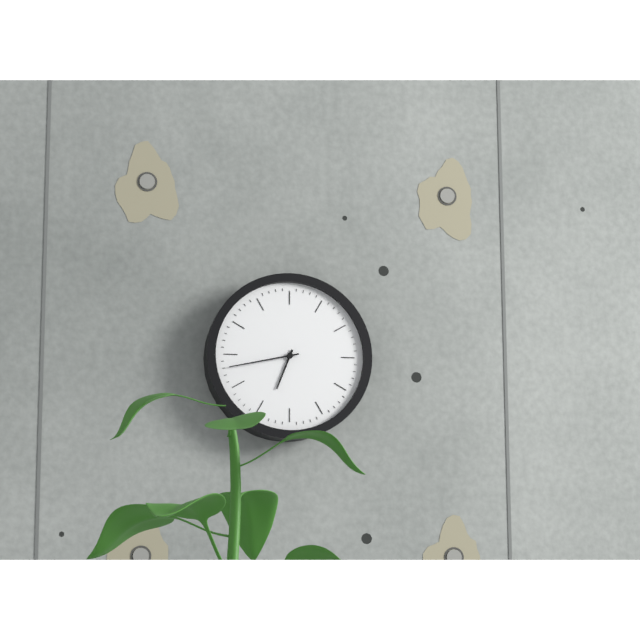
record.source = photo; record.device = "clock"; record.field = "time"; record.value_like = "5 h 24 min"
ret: 6 h 43 min
